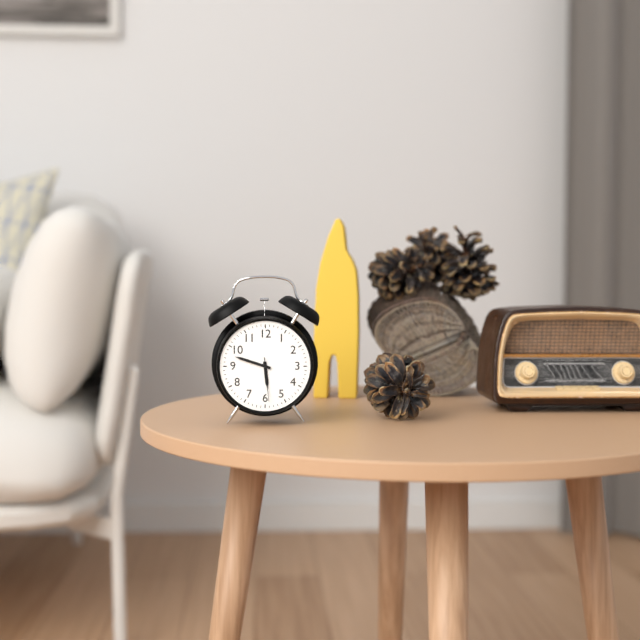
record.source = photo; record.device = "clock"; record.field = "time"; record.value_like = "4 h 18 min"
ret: 5 h 48 min
